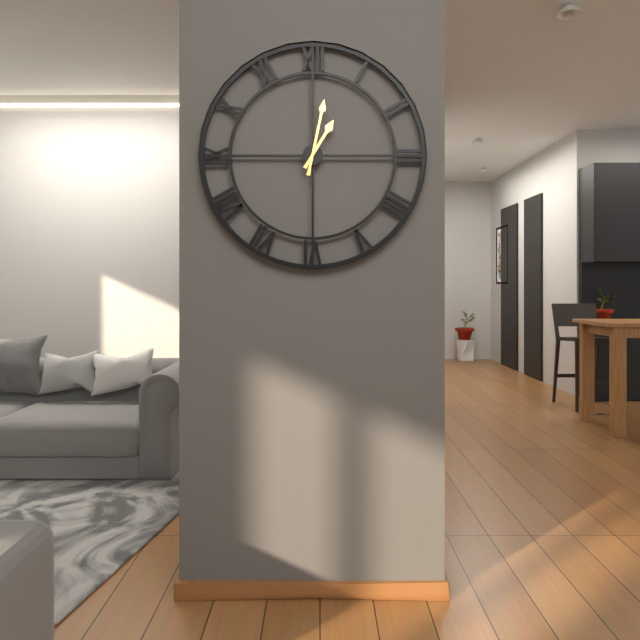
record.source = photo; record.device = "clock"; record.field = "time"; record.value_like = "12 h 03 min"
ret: 1 h 02 min
